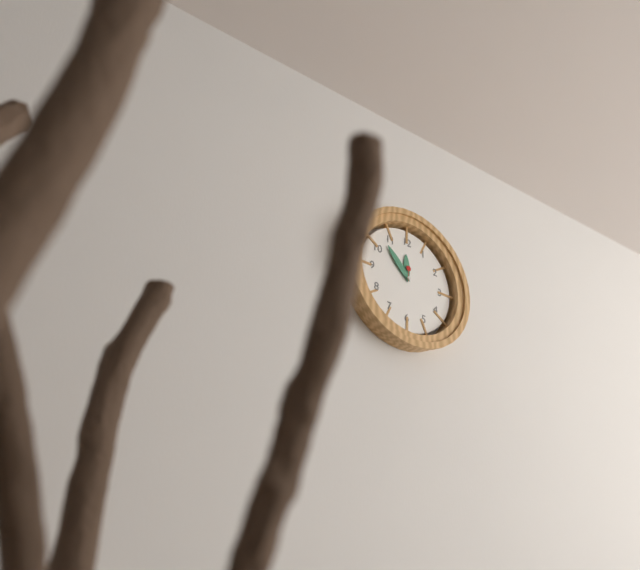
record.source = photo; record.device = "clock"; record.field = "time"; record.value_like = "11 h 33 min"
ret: 11 h 53 min
